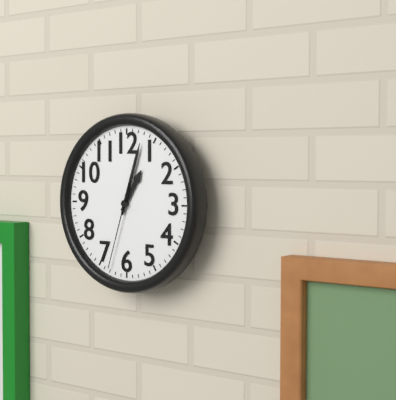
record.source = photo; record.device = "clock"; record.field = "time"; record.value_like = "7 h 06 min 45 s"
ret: 1 h 03 min 33 s
